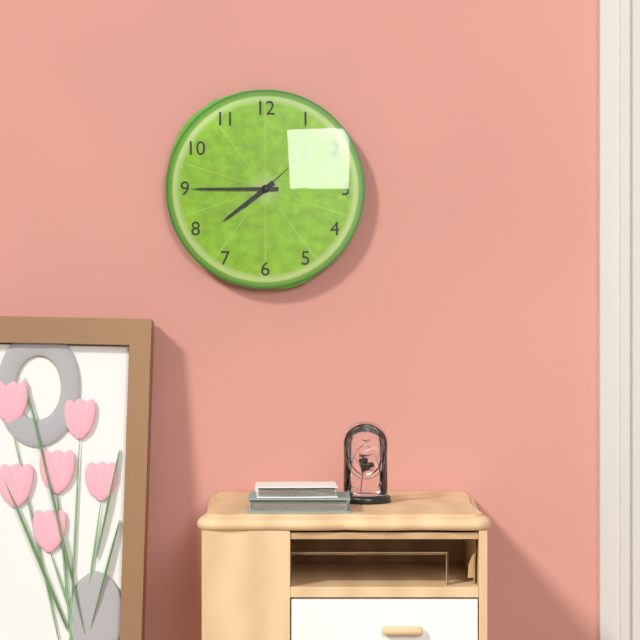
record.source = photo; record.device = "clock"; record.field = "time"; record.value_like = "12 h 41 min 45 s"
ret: 7 h 45 min 08 s
